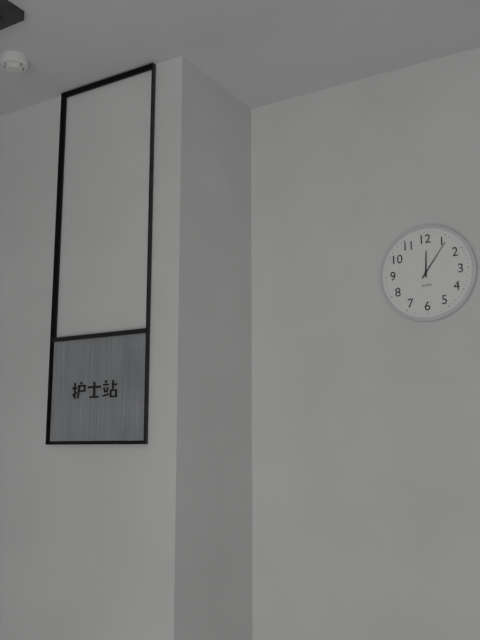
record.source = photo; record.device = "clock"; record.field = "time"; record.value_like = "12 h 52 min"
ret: 12 h 06 min
